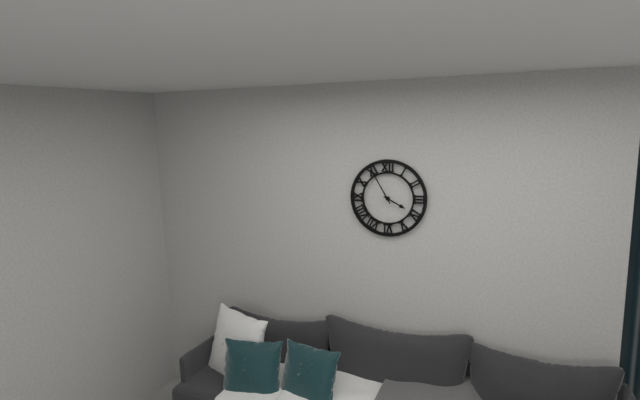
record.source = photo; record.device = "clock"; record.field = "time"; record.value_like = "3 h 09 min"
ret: 3 h 55 min
